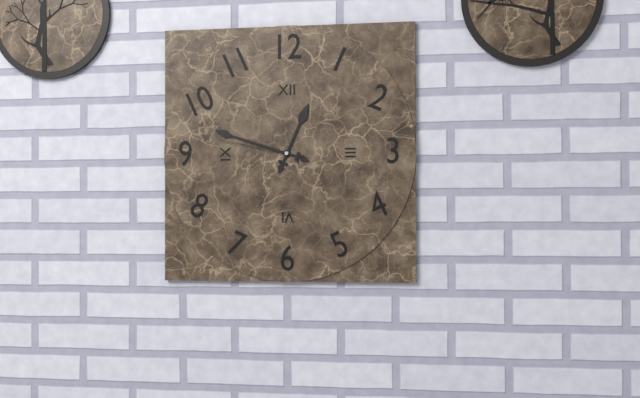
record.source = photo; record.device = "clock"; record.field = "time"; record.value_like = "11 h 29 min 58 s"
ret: 12 h 48 min 47 s
